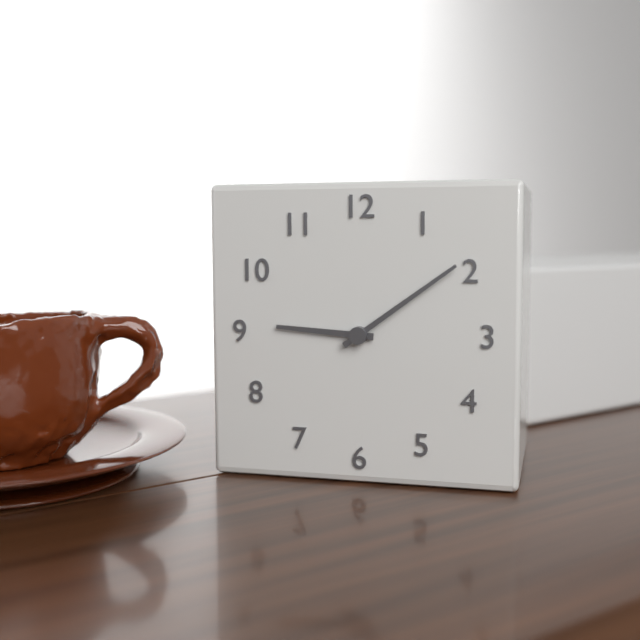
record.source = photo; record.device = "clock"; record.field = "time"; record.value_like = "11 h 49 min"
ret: 9 h 09 min
